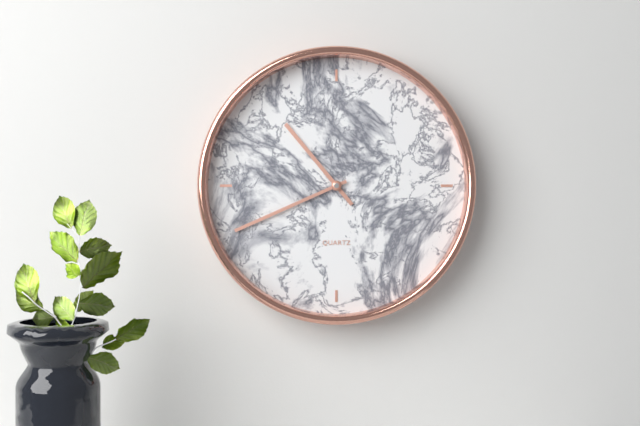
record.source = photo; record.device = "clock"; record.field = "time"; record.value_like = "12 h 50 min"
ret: 10 h 41 min
